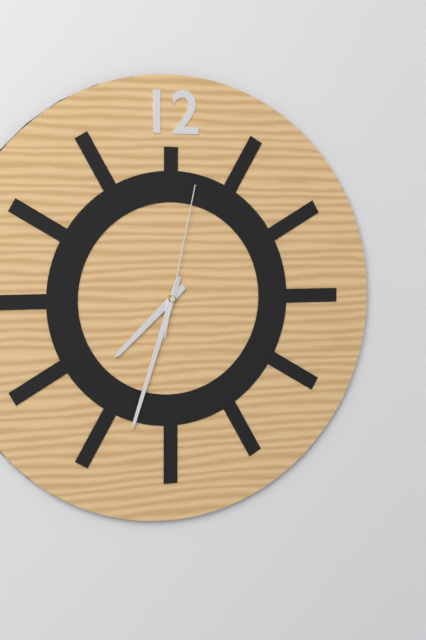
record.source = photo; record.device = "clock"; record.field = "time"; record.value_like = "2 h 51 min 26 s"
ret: 7 h 33 min 02 s
